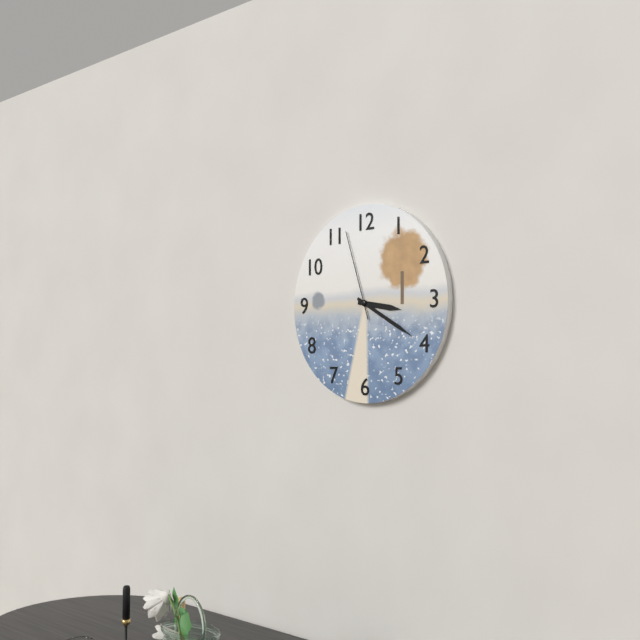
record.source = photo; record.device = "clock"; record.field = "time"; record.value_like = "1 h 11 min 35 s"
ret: 3 h 20 min 57 s
